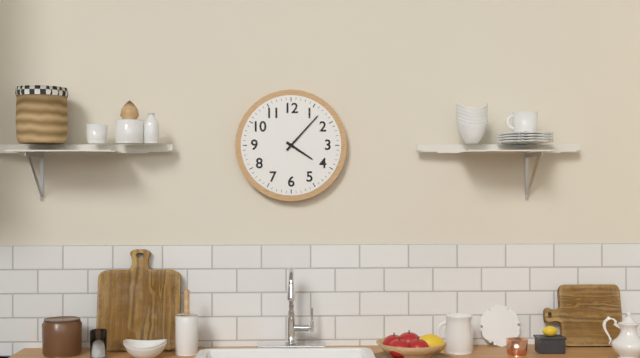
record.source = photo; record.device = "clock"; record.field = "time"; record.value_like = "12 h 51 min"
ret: 4 h 07 min
